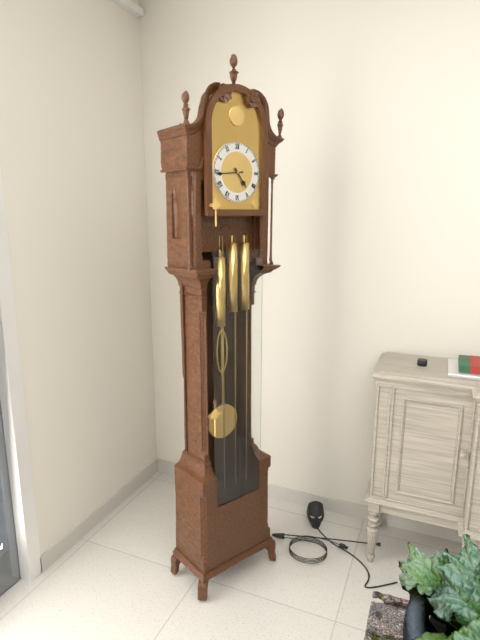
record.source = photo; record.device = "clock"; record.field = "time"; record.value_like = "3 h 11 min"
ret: 4 h 44 min
